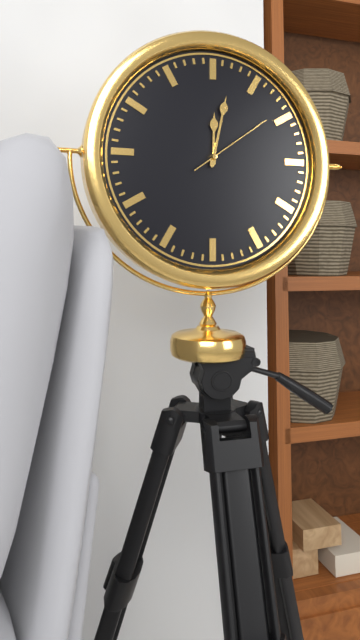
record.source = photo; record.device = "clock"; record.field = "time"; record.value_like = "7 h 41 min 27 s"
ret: 12 h 02 min 09 s
